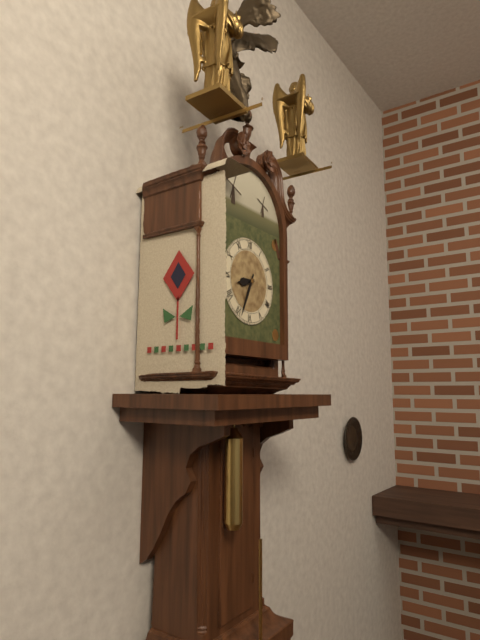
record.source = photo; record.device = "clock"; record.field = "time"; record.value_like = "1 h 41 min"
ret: 8 h 34 min
